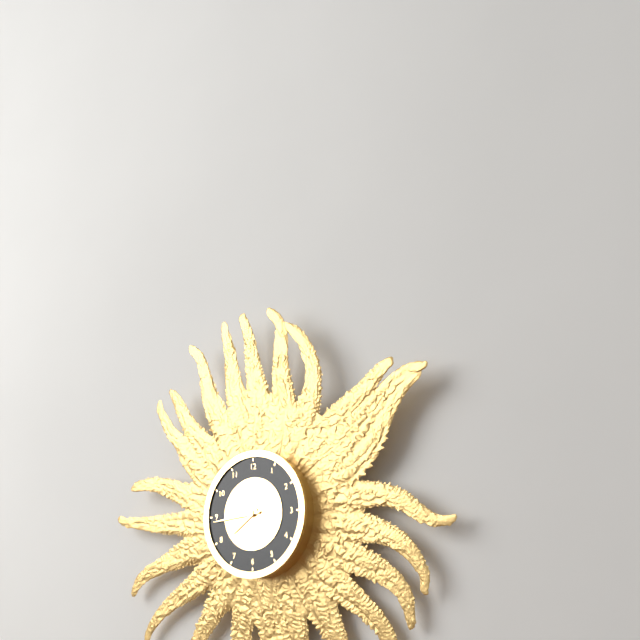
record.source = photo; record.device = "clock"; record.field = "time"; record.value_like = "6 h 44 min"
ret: 7 h 44 min
